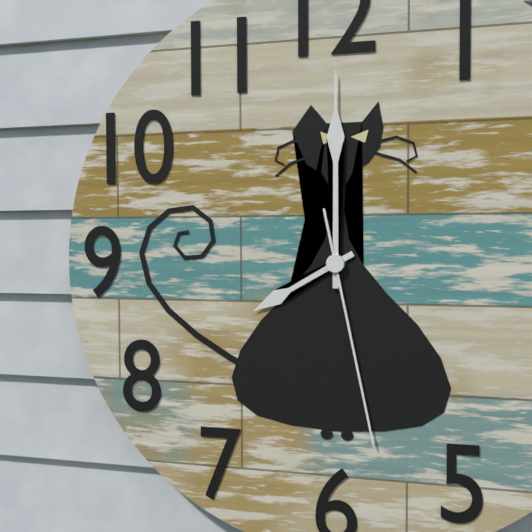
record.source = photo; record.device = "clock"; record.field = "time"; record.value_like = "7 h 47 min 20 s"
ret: 8 h 00 min 28 s
